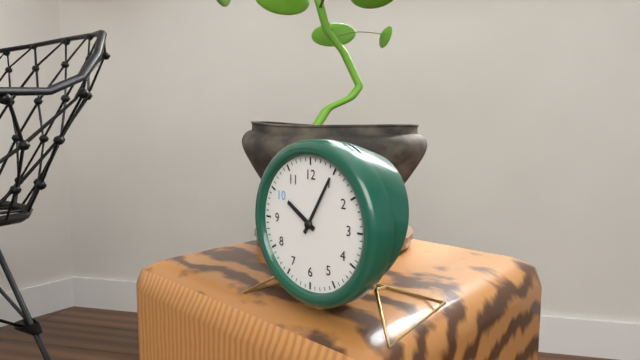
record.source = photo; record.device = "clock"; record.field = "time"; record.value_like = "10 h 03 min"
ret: 10 h 05 min
